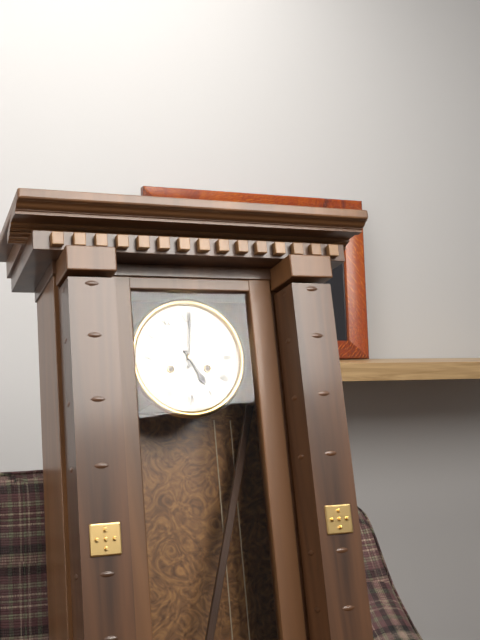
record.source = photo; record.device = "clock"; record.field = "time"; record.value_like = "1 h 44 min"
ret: 5 h 01 min
